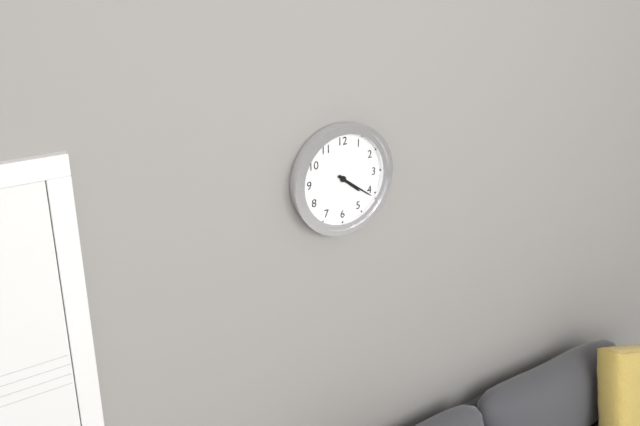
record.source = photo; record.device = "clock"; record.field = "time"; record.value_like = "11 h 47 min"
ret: 4 h 21 min
